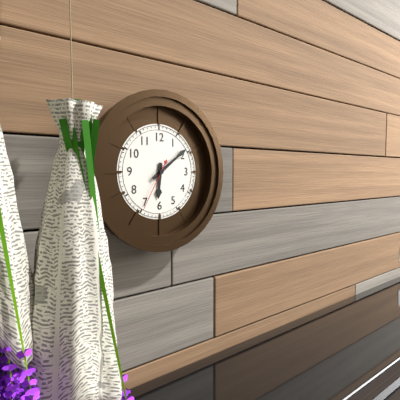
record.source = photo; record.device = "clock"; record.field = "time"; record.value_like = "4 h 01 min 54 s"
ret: 6 h 09 min 35 s
